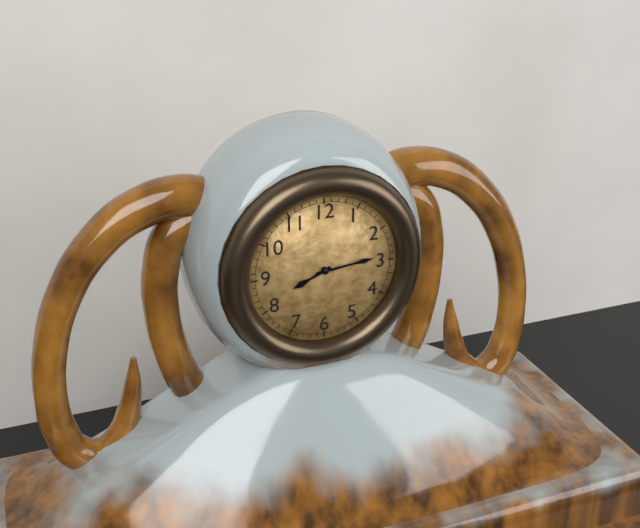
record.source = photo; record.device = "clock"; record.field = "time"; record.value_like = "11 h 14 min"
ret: 8 h 14 min
